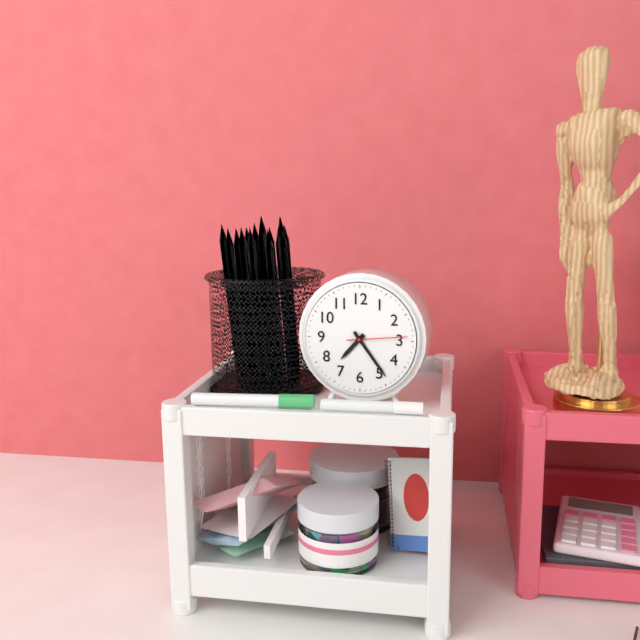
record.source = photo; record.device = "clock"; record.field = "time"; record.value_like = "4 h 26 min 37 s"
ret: 7 h 24 min 14 s
